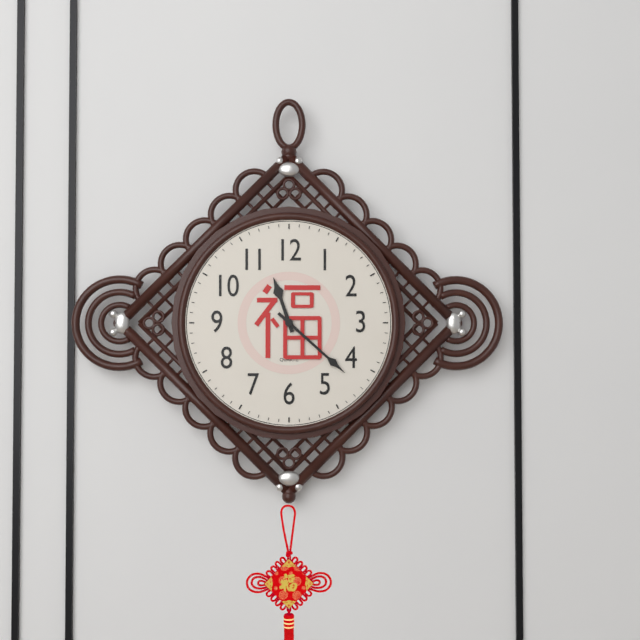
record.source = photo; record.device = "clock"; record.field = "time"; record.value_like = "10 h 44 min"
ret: 11 h 22 min
